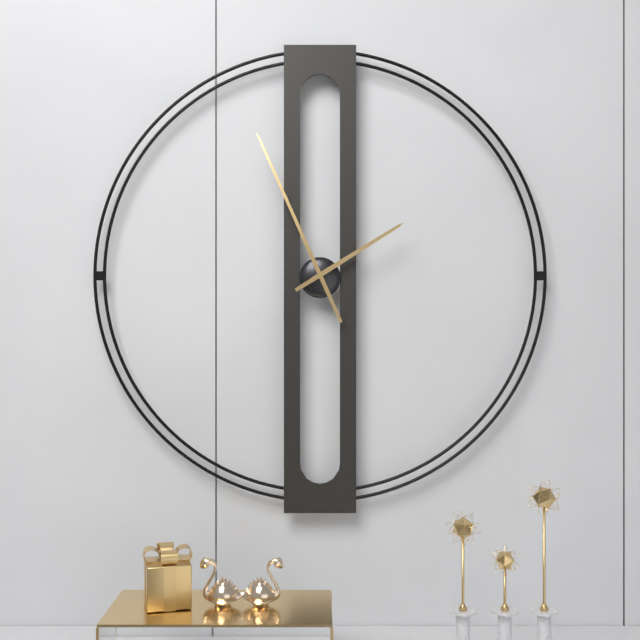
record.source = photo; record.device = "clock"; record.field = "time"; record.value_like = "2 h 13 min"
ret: 1 h 56 min
